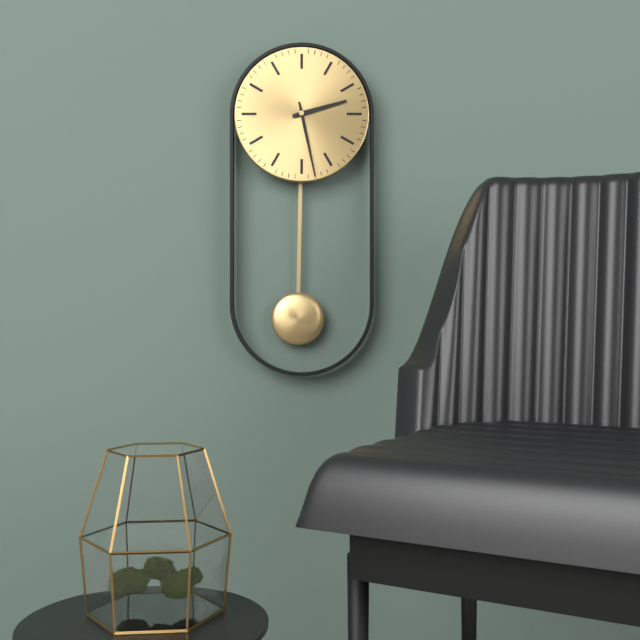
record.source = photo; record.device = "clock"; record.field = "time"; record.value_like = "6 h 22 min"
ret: 2 h 28 min
